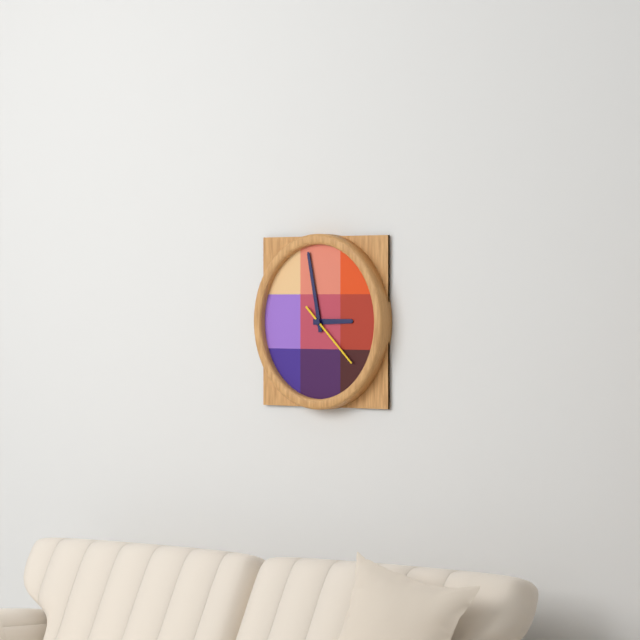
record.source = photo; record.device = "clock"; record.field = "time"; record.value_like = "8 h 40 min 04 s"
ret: 2 h 58 min 22 s
